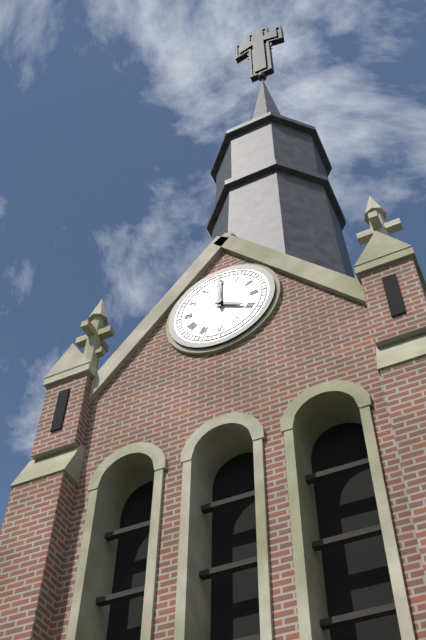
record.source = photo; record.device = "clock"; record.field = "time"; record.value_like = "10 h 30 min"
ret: 4 h 00 min
